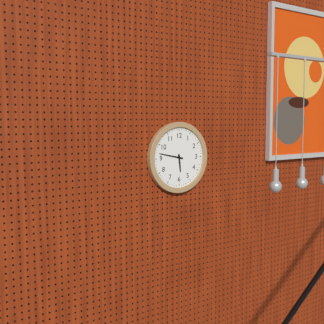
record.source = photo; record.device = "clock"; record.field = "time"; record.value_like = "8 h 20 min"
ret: 5 h 47 min
